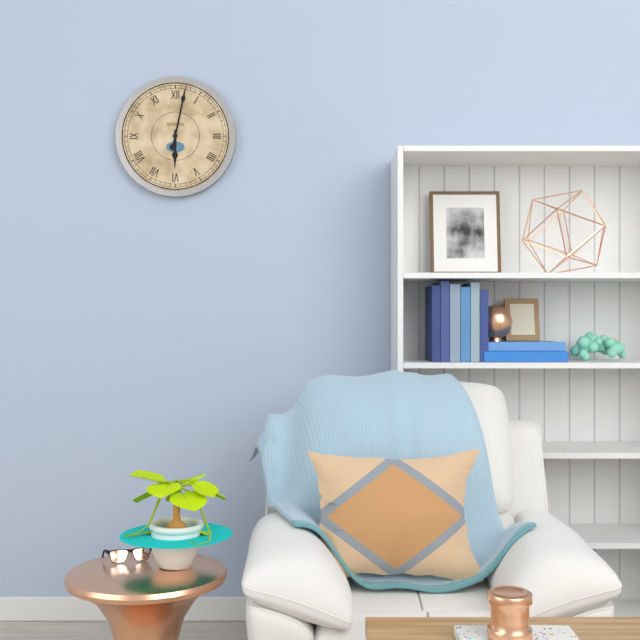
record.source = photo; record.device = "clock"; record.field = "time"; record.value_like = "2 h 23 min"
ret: 6 h 02 min
